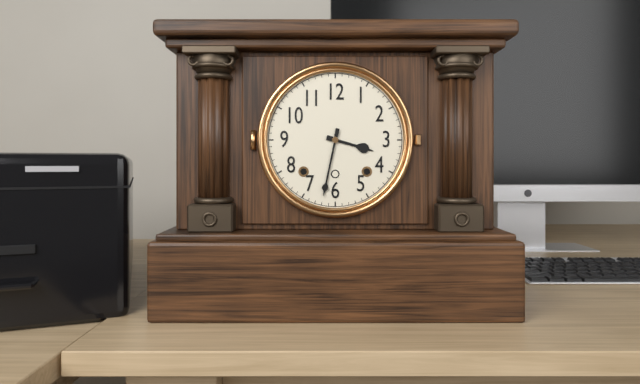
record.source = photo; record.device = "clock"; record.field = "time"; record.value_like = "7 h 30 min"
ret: 3 h 32 min
